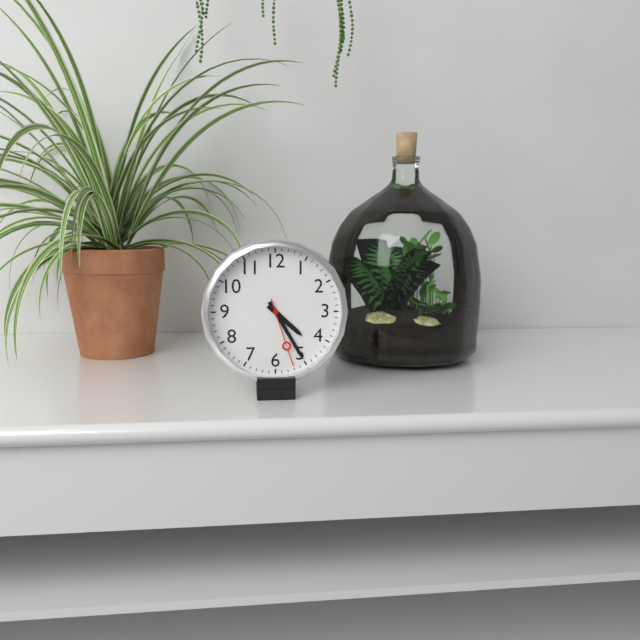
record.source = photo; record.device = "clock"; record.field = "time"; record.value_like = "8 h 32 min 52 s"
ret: 4 h 25 min 27 s
